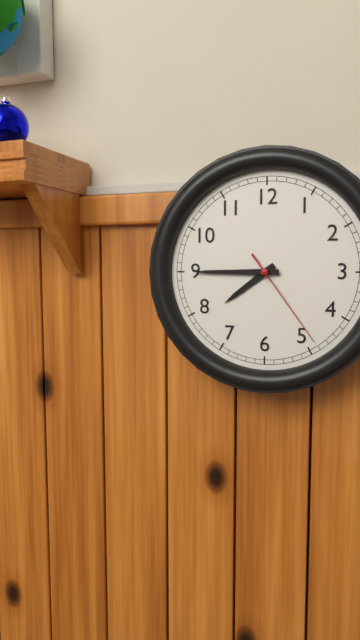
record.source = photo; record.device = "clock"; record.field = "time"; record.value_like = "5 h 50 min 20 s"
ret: 7 h 45 min 24 s
